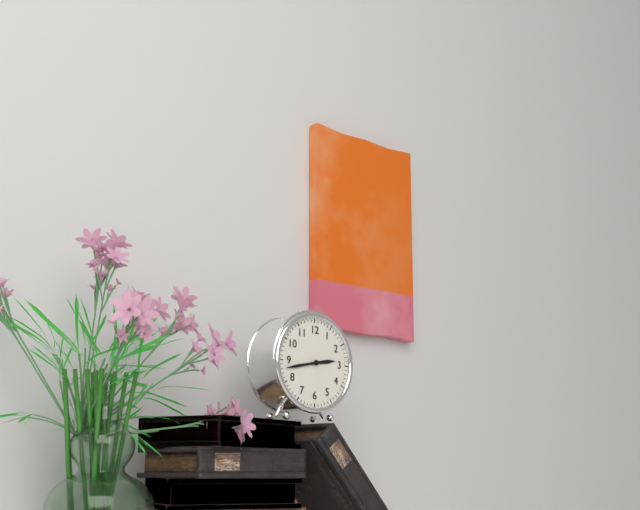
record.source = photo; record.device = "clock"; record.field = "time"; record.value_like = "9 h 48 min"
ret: 2 h 43 min
